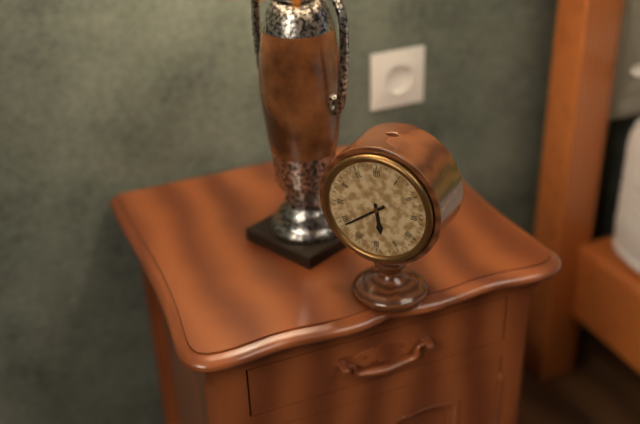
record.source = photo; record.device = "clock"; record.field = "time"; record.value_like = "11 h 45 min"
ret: 5 h 39 min
